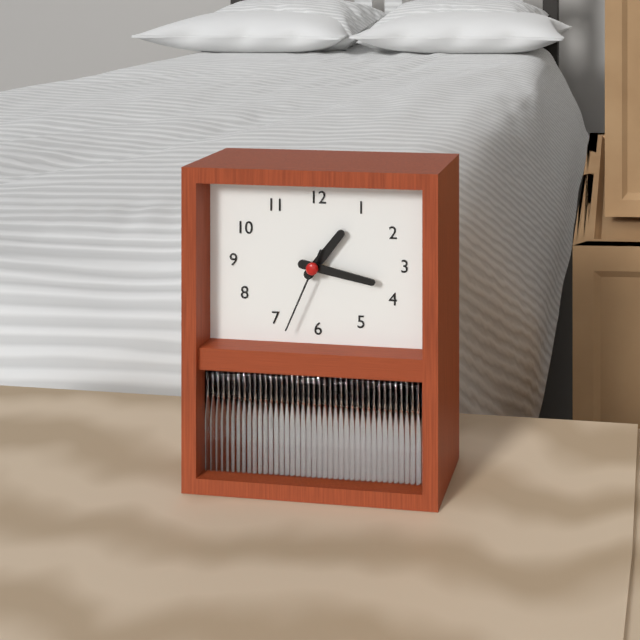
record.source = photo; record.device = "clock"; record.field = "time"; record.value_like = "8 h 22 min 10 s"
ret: 1 h 17 min 34 s
